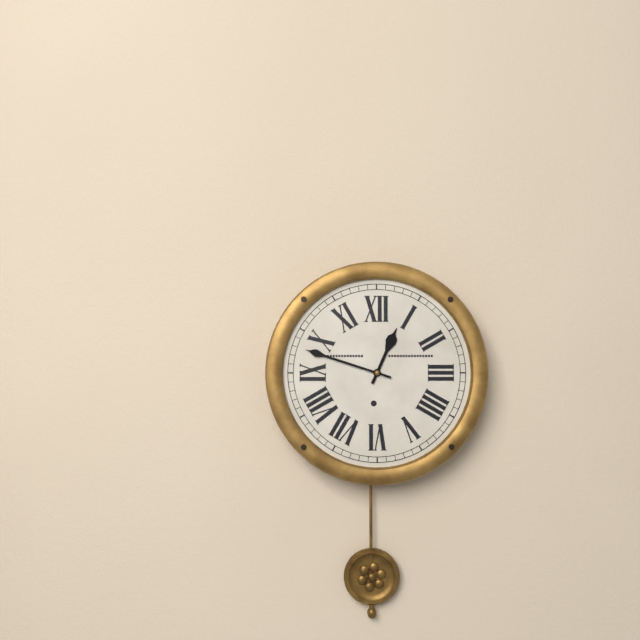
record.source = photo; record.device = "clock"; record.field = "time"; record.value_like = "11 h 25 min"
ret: 12 h 48 min
